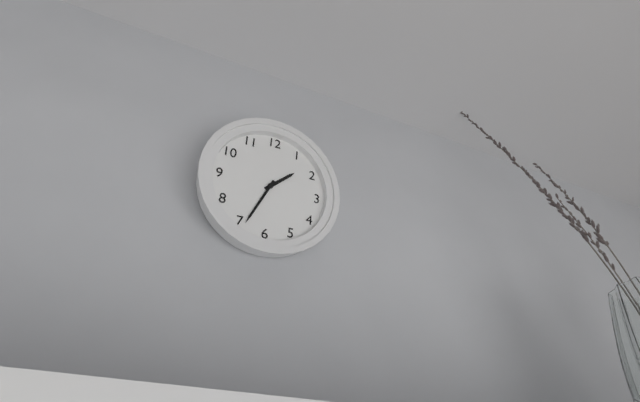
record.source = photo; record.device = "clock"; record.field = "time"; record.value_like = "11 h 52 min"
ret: 1 h 34 min
